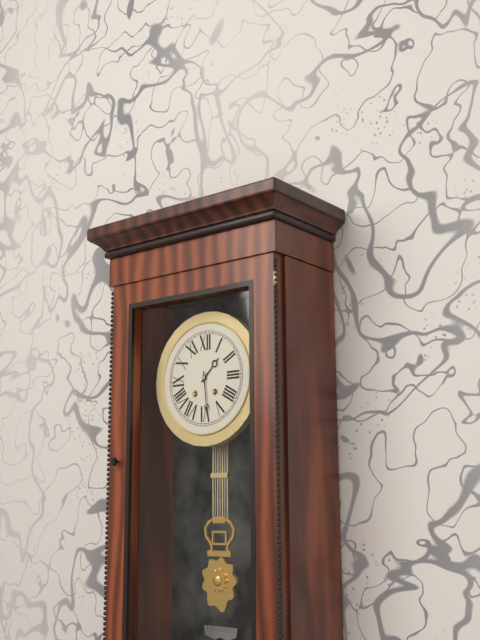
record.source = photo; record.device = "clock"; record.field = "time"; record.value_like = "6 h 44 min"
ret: 1 h 29 min
